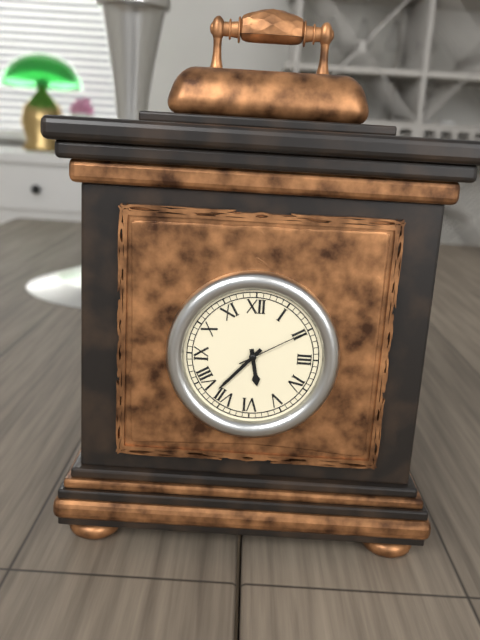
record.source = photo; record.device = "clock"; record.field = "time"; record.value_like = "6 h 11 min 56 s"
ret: 5 h 37 min 10 s
